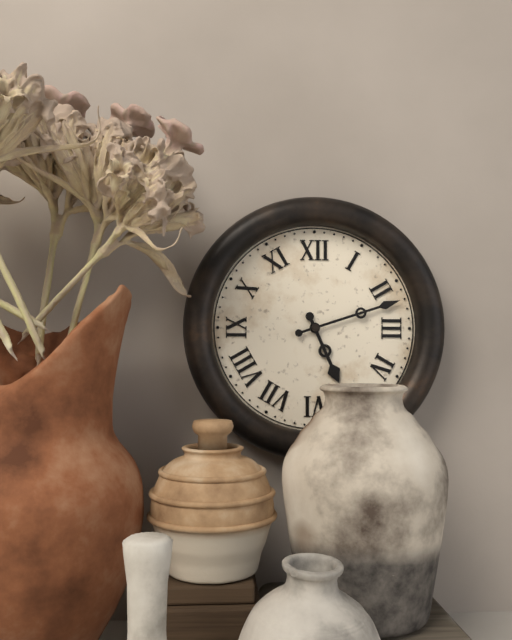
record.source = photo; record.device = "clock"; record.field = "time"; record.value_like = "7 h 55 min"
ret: 5 h 12 min
